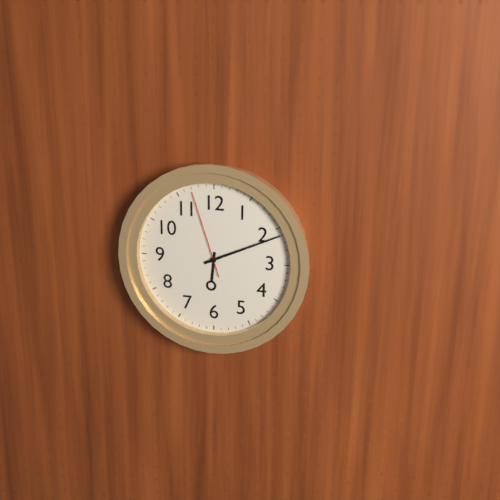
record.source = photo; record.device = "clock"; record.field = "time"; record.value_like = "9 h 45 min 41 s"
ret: 6 h 11 min 57 s
